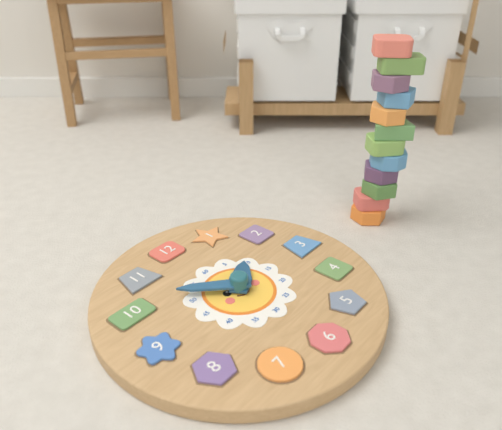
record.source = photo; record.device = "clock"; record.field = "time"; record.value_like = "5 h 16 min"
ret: 1 h 52 min
